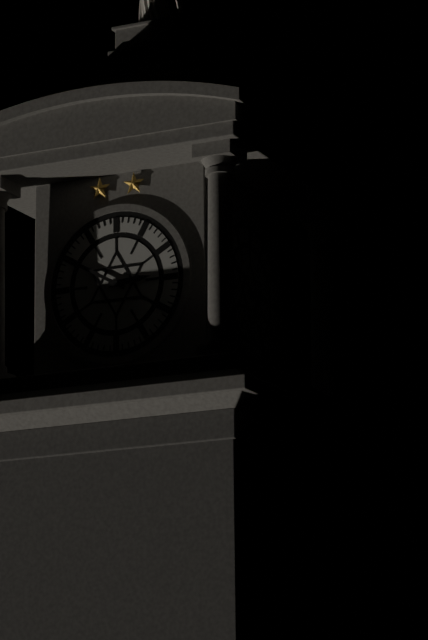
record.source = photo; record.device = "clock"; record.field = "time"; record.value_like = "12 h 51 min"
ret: 2 h 50 min
